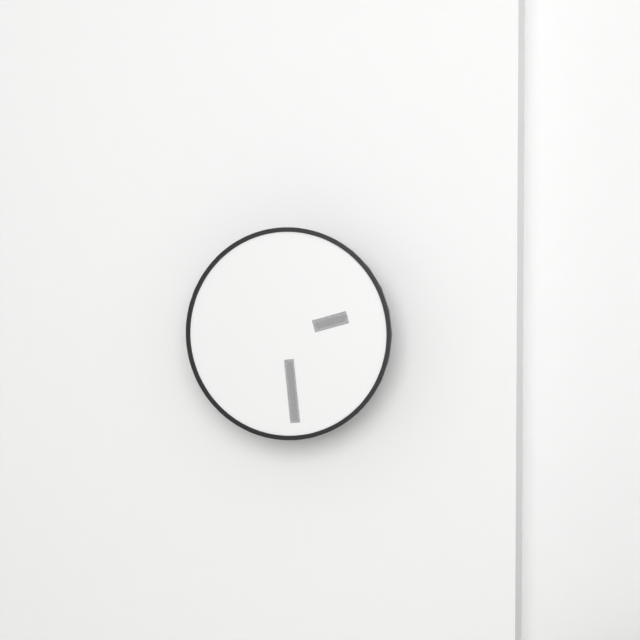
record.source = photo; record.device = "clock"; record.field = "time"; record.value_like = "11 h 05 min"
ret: 2 h 29 min
